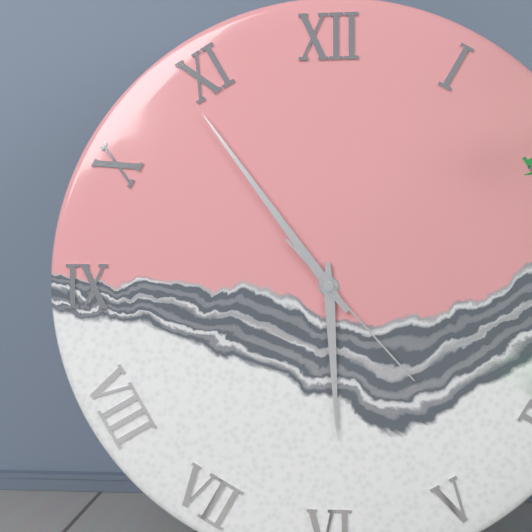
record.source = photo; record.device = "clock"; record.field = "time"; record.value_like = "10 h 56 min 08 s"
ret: 5 h 54 min 23 s
